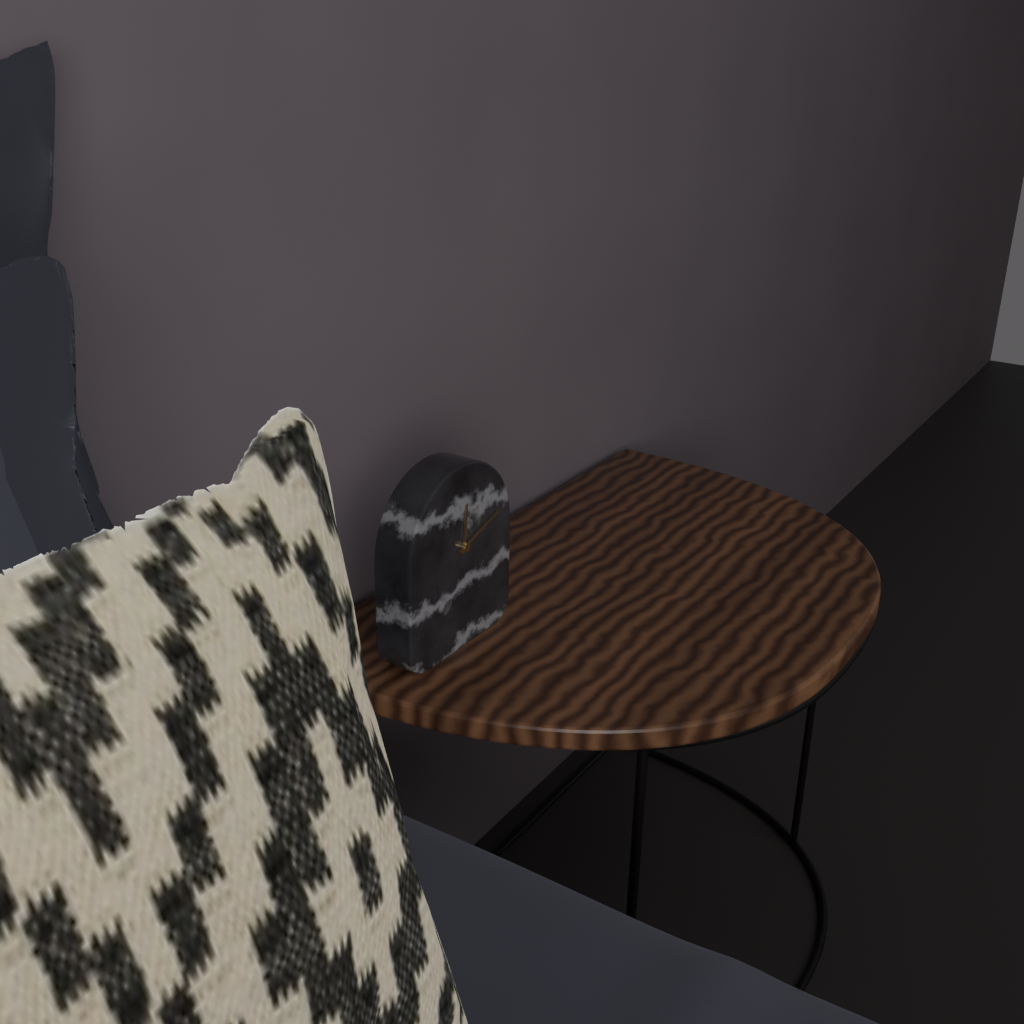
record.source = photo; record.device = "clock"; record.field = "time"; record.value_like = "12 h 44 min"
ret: 12 h 12 min
